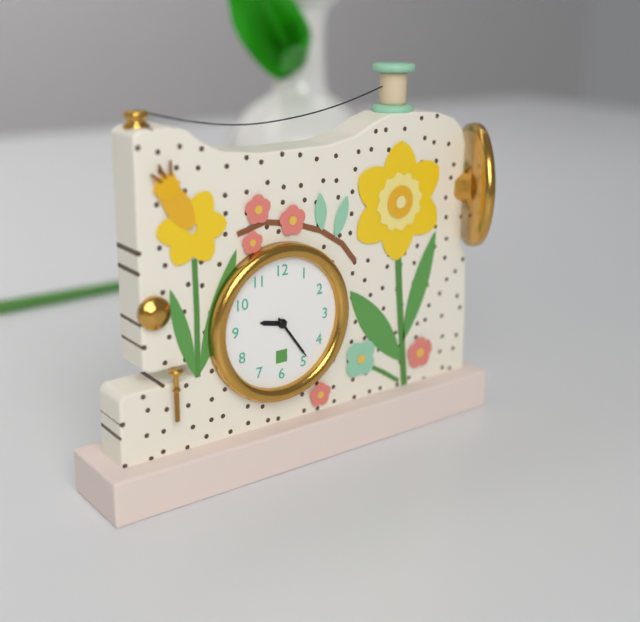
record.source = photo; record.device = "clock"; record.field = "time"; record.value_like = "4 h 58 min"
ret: 9 h 24 min
